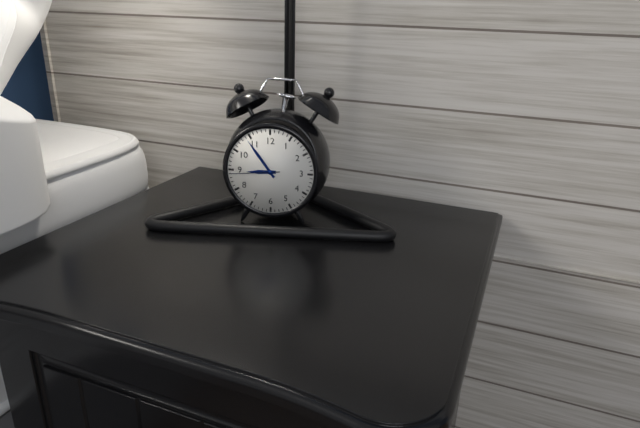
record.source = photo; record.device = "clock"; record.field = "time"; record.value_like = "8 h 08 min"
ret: 8 h 54 min
